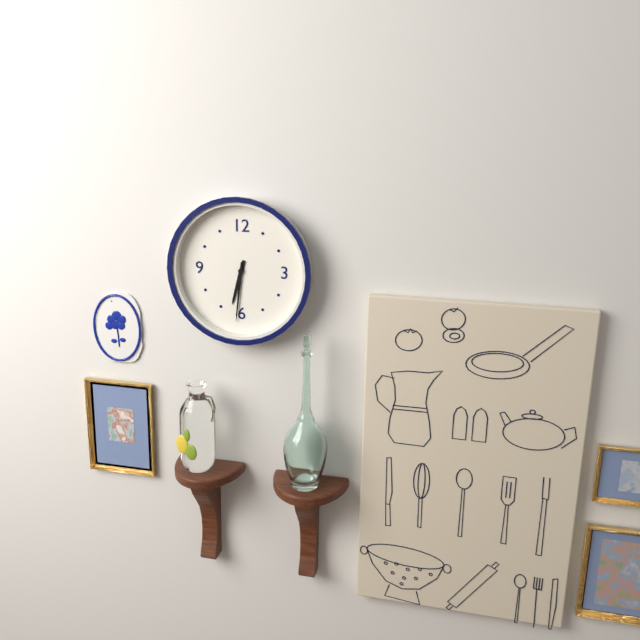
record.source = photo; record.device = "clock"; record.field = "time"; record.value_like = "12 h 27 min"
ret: 6 h 31 min
